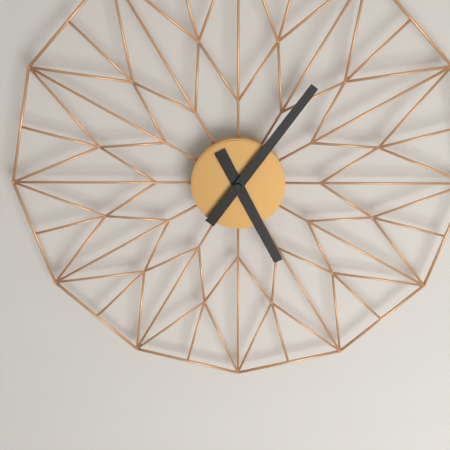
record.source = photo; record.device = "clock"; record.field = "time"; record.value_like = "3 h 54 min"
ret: 5 h 06 min
